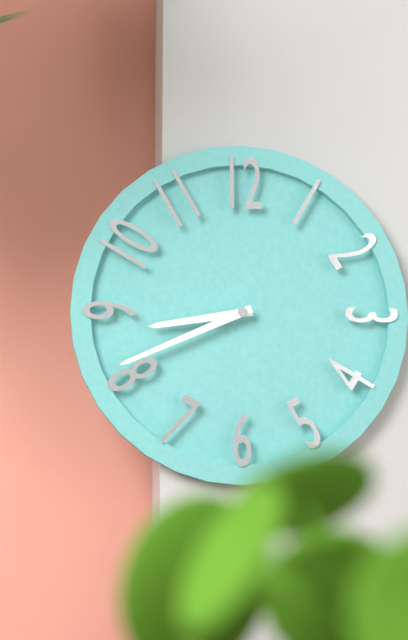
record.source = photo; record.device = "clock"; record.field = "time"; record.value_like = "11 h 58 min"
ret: 8 h 41 min
